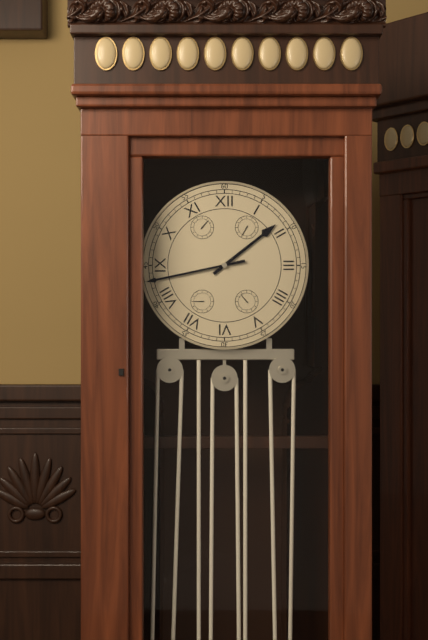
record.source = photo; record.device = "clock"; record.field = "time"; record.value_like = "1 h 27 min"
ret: 1 h 43 min
